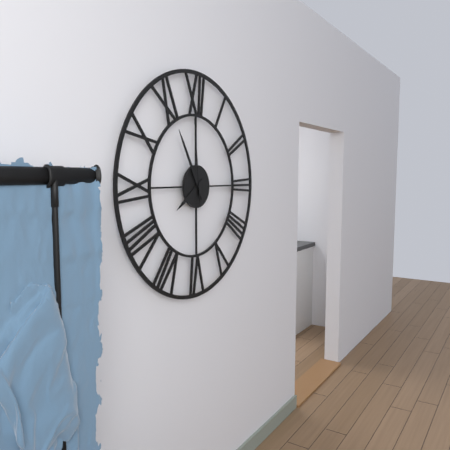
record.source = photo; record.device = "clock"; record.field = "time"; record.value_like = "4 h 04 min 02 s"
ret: 7 h 55 min 59 s
